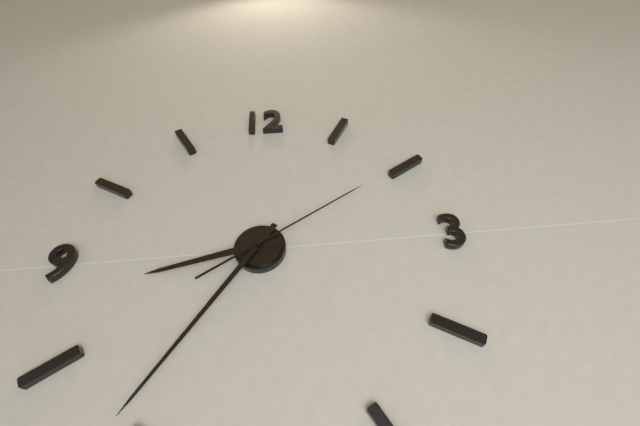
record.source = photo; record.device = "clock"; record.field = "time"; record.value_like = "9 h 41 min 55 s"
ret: 8 h 36 min 10 s
